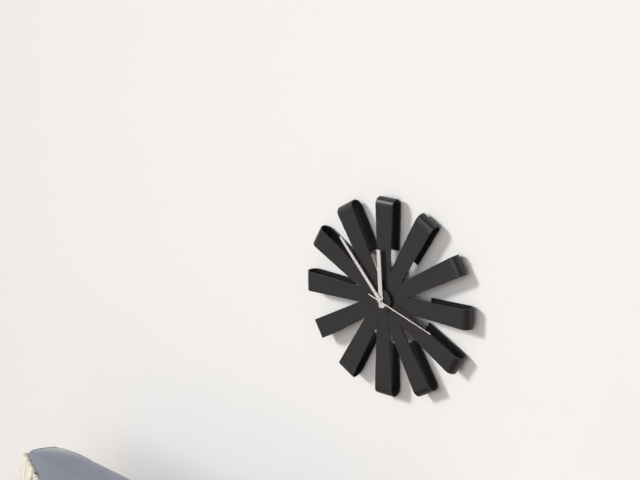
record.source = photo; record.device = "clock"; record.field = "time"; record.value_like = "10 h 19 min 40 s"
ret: 11 h 53 min 18 s
